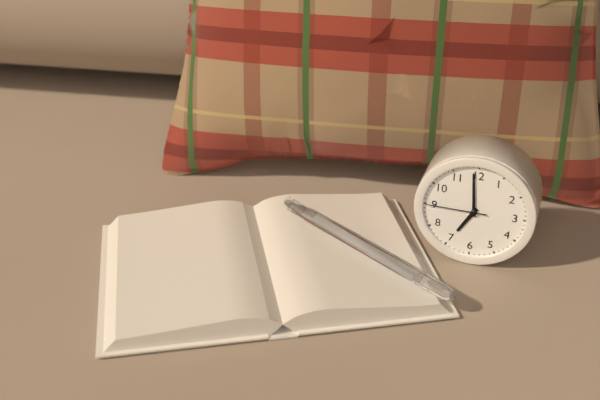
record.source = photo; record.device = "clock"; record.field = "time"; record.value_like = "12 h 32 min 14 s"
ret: 6 h 59 min 45 s
